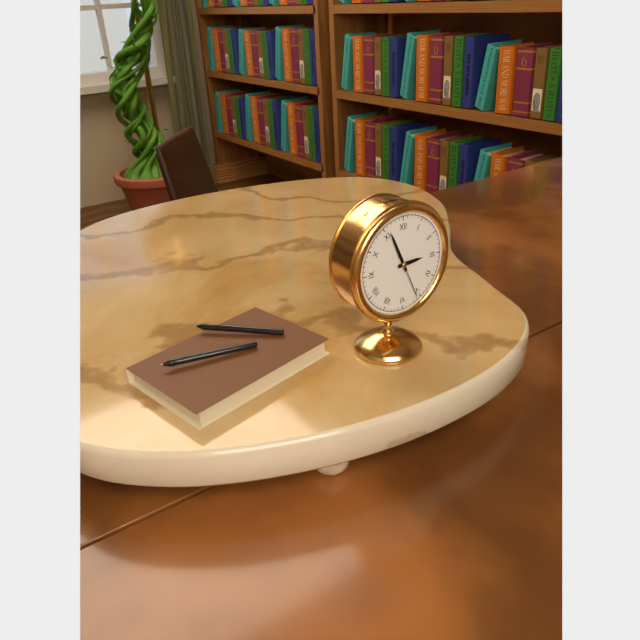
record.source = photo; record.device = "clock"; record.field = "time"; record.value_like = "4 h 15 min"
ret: 2 h 56 min
